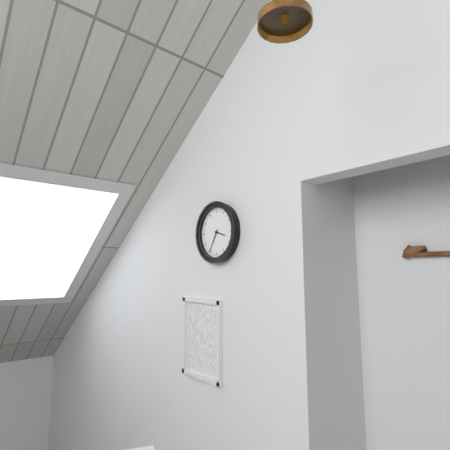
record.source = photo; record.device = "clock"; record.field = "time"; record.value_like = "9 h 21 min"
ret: 3 h 35 min
